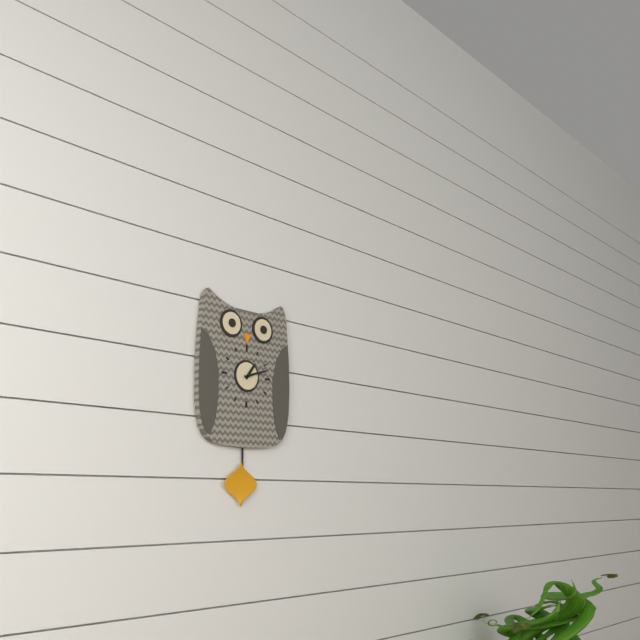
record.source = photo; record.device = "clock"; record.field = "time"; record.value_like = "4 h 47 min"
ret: 1 h 12 min
